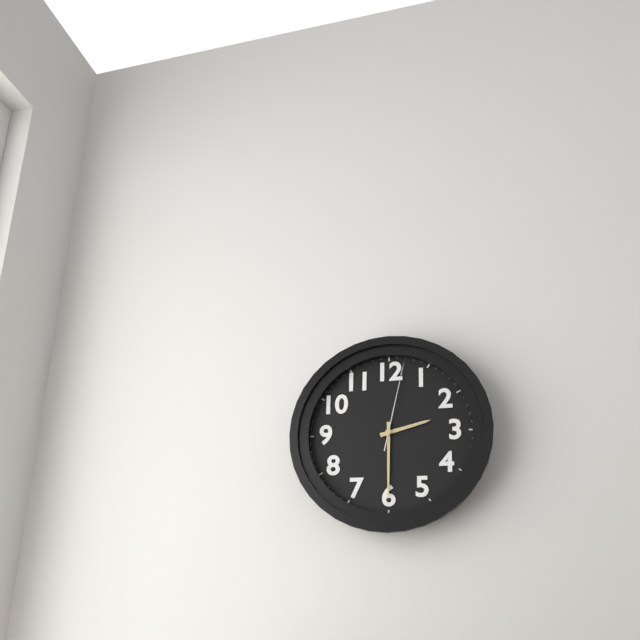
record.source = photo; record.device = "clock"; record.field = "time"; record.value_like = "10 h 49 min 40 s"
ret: 2 h 30 min 02 s
